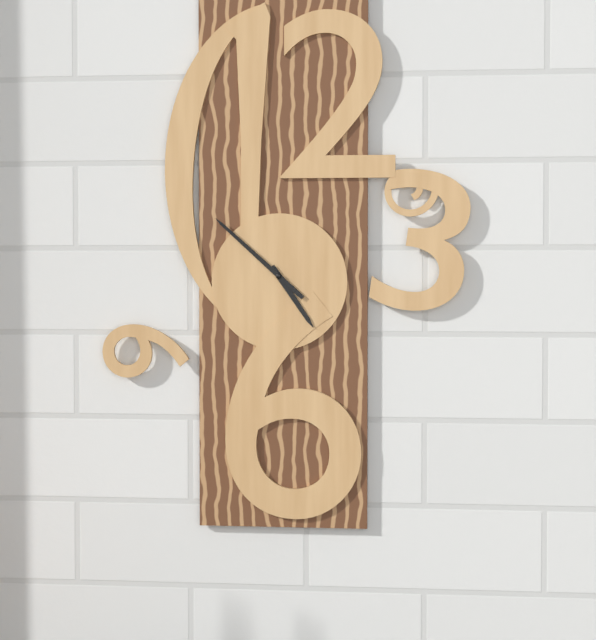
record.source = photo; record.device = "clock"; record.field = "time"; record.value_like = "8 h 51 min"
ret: 4 h 52 min
